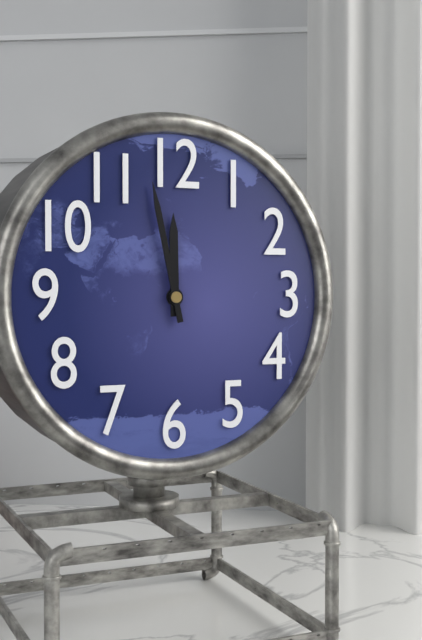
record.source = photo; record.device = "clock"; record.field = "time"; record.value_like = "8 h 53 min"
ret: 11 h 58 min
